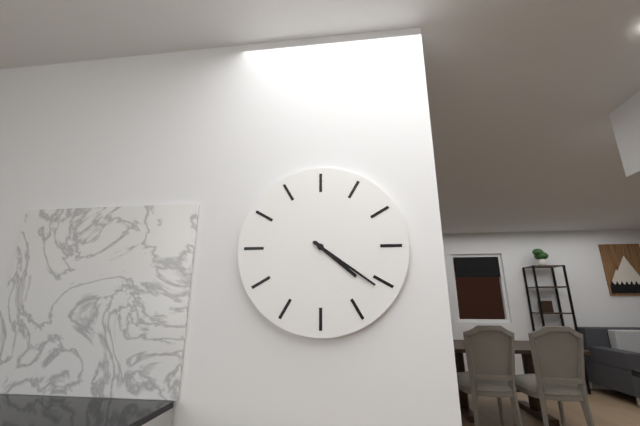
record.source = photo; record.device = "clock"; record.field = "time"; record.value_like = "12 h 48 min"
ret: 4 h 21 min
